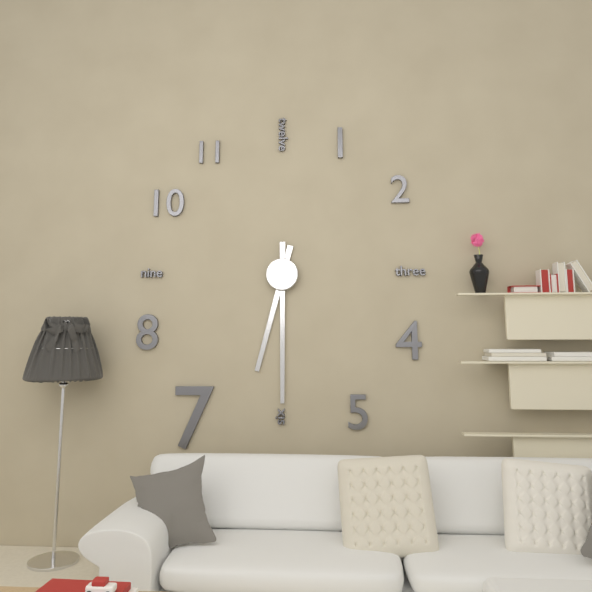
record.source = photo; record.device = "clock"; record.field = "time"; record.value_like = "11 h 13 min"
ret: 6 h 30 min
